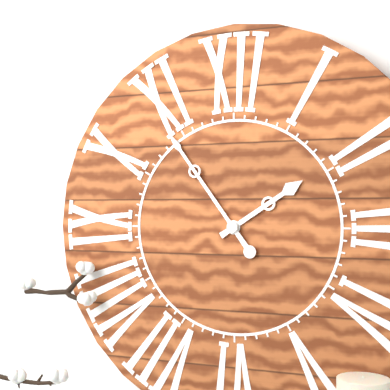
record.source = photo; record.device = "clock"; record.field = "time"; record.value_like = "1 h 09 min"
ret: 1 h 54 min
